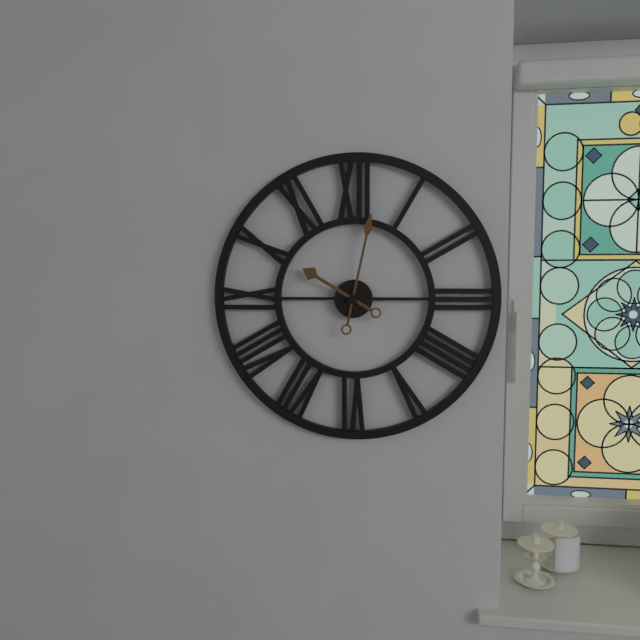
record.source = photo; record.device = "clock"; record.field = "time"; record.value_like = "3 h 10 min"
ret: 10 h 02 min
